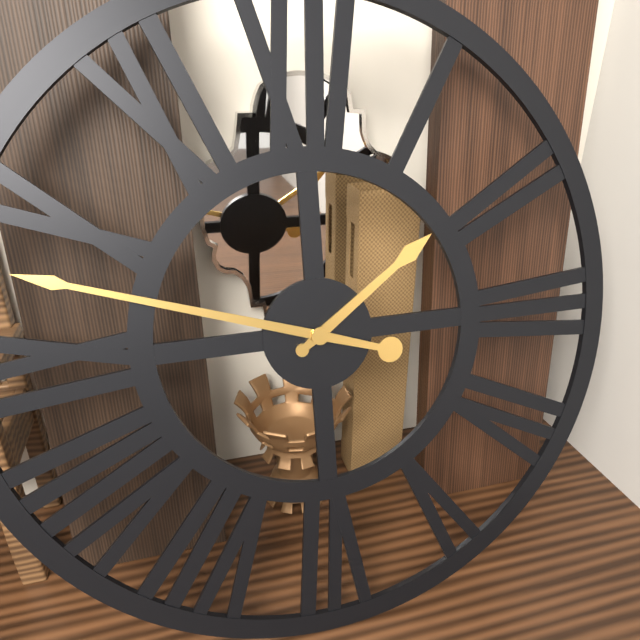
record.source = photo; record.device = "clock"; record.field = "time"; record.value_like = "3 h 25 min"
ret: 1 h 48 min
